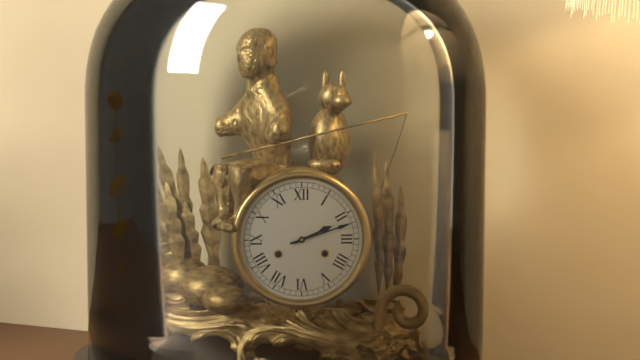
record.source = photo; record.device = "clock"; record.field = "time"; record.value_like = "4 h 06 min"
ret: 2 h 12 min
